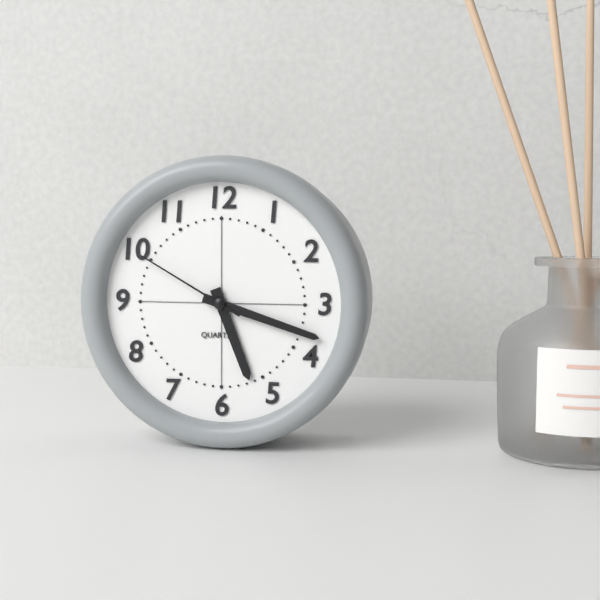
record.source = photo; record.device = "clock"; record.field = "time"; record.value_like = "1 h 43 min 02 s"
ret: 5 h 18 min 50 s
